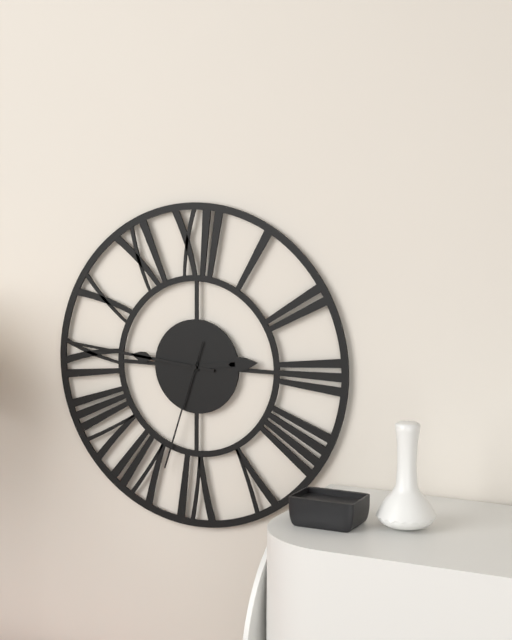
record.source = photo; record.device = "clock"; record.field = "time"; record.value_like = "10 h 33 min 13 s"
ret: 2 h 46 min 33 s
